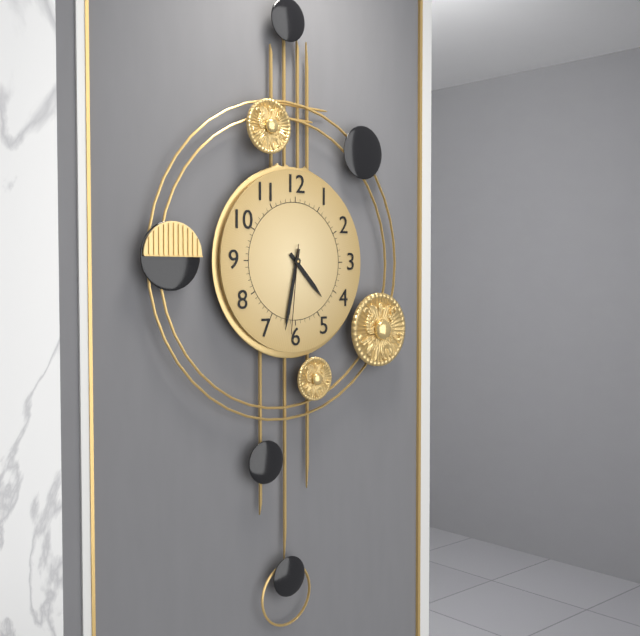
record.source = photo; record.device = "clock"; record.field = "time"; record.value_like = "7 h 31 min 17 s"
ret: 4 h 32 min 31 s
